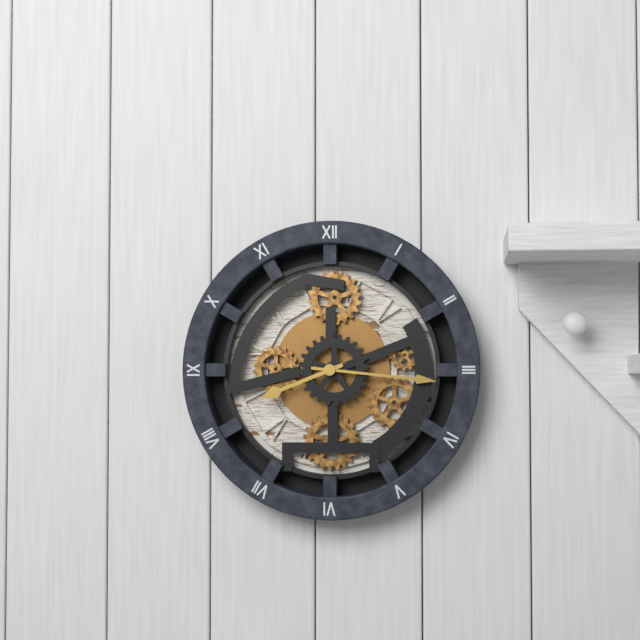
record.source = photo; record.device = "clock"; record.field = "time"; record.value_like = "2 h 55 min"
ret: 8 h 16 min
